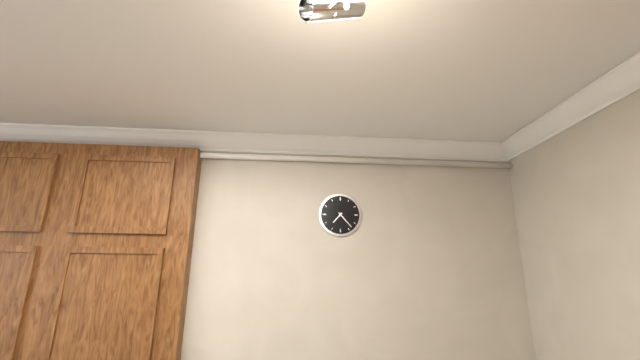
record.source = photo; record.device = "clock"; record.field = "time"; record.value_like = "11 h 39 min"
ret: 7 h 23 min
